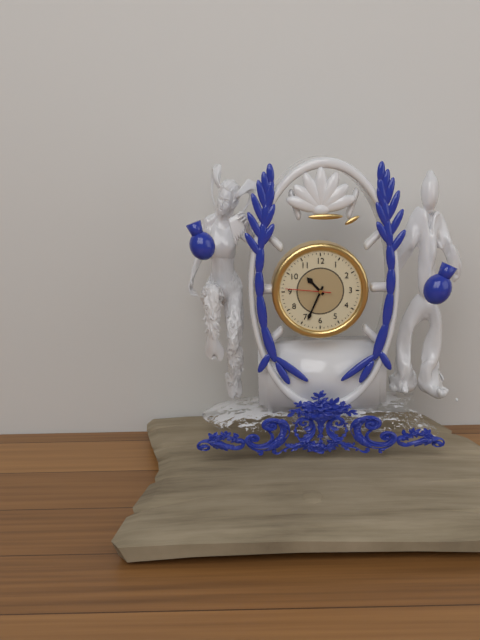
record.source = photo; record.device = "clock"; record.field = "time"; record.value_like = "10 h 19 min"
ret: 10 h 34 min
